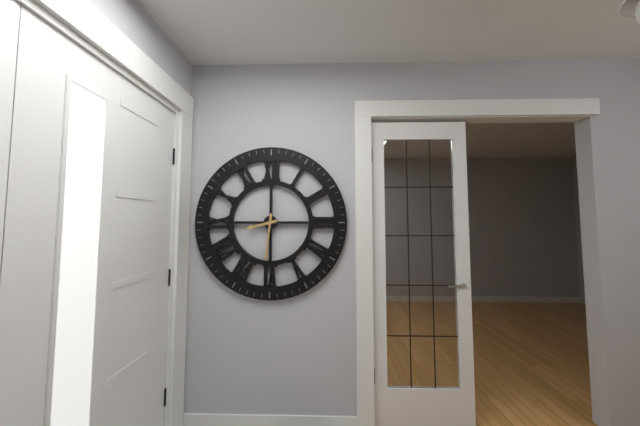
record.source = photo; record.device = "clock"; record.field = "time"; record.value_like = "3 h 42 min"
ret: 8 h 31 min
